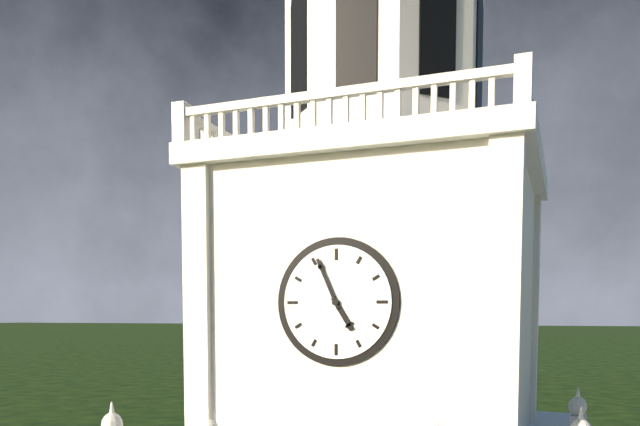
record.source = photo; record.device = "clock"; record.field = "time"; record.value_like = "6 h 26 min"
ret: 4 h 56 min
